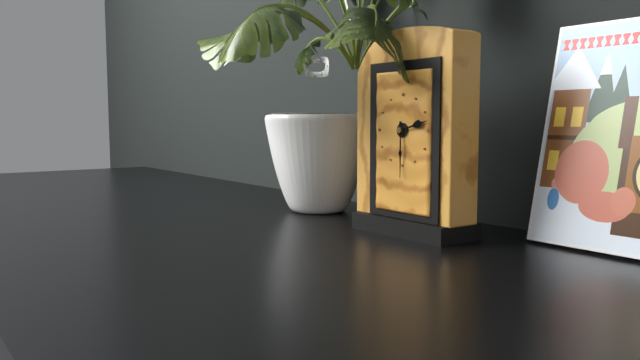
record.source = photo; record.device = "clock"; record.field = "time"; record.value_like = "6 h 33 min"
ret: 2 h 30 min
